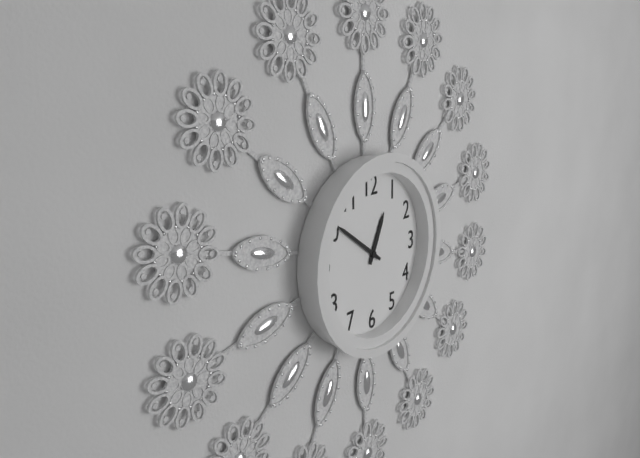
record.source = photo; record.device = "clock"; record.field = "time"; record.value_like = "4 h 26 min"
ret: 12 h 51 min
